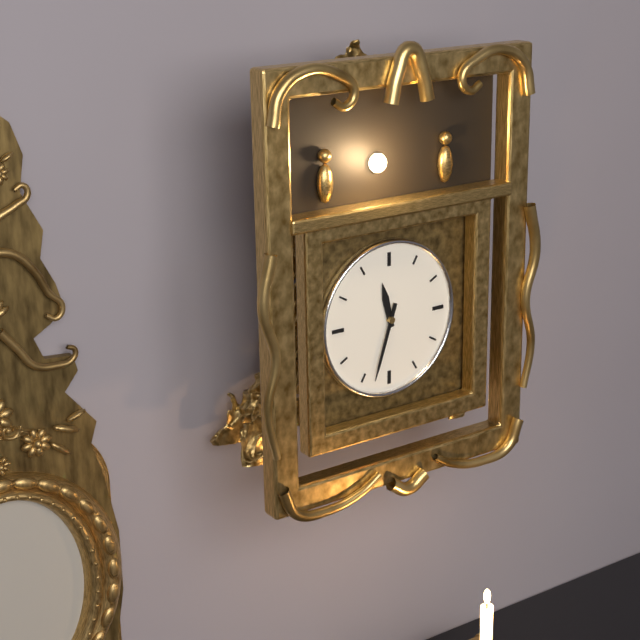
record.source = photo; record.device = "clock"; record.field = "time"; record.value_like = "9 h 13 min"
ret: 11 h 33 min
